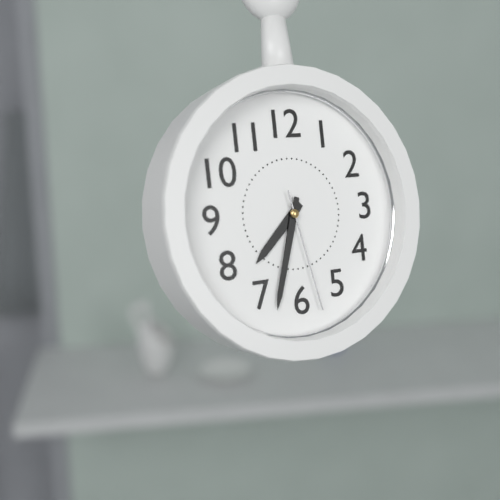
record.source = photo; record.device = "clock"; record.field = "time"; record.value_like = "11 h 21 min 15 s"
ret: 7 h 33 min 28 s
